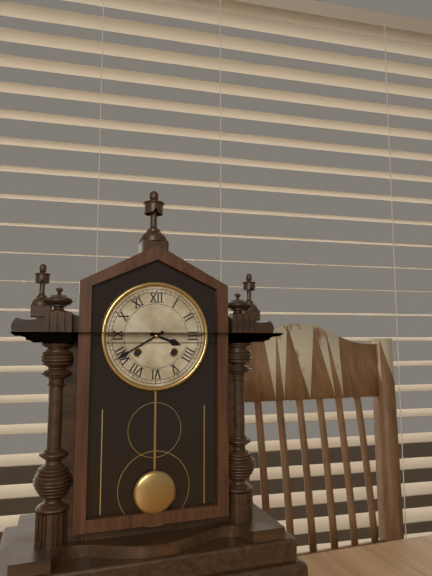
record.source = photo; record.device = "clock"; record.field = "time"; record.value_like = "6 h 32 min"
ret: 3 h 40 min
